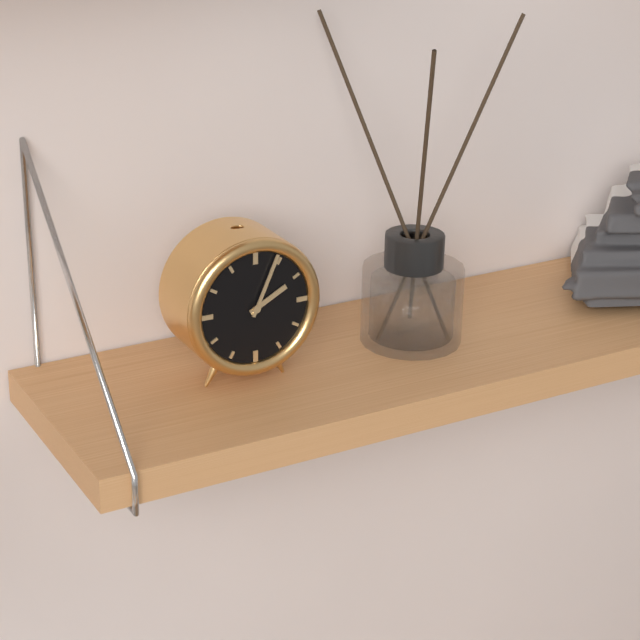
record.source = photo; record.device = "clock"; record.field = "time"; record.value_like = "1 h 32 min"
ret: 2 h 04 min
